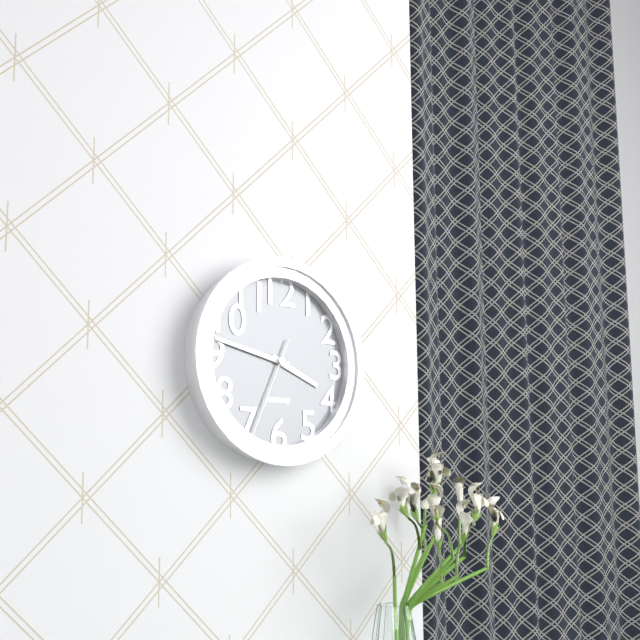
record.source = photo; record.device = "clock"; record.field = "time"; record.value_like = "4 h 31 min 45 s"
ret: 3 h 47 min 34 s
